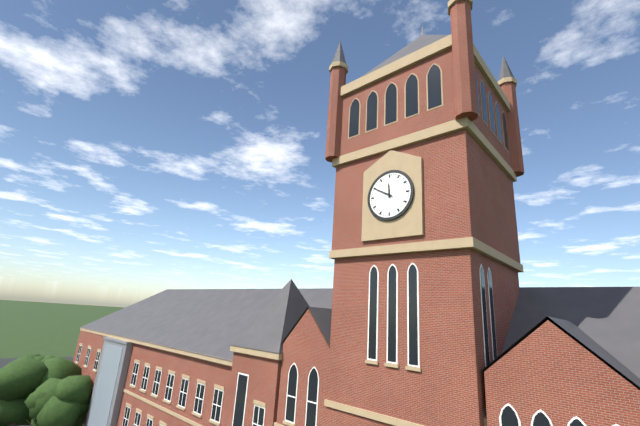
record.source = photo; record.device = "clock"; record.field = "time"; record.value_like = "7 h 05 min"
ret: 11 h 50 min
